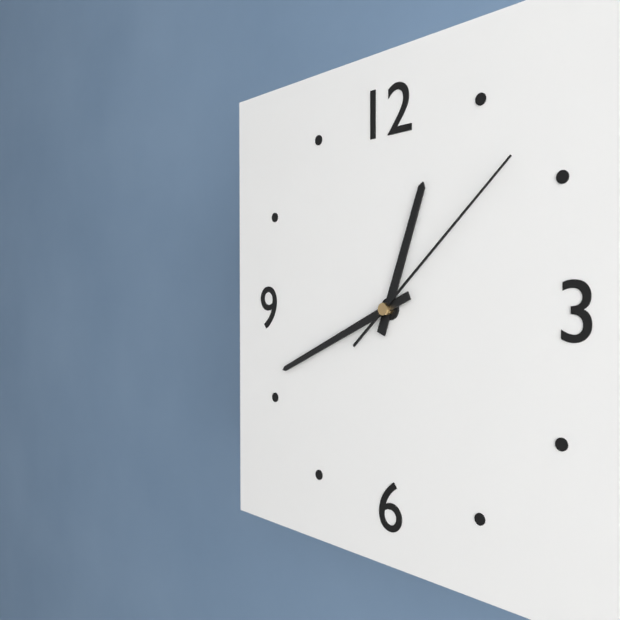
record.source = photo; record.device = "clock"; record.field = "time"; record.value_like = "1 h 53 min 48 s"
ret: 12 h 41 min 08 s
